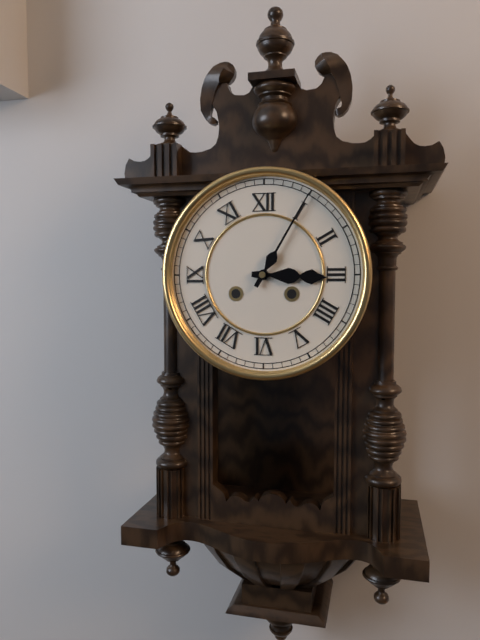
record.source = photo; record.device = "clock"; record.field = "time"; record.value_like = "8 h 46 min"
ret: 3 h 05 min
